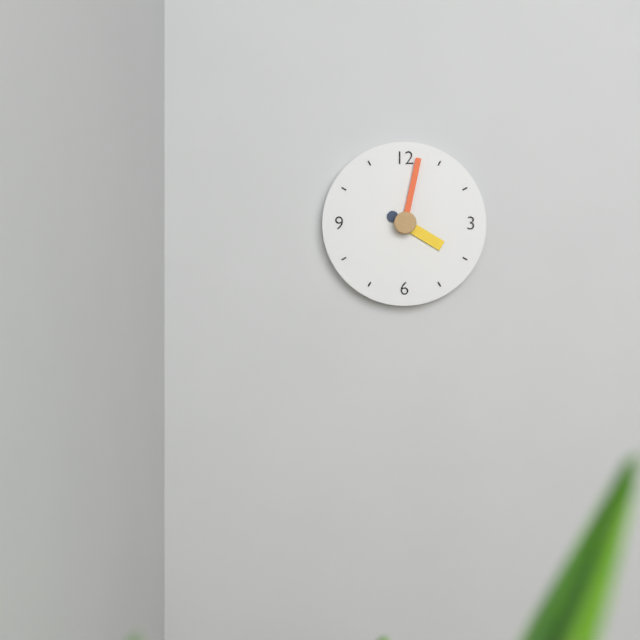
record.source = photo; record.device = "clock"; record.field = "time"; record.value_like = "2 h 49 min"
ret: 4 h 02 min
